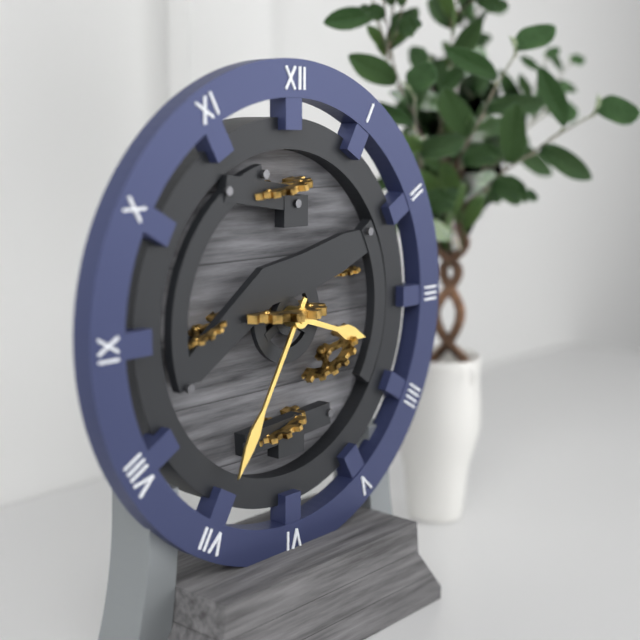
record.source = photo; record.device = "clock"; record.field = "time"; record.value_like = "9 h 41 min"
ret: 3 h 35 min
